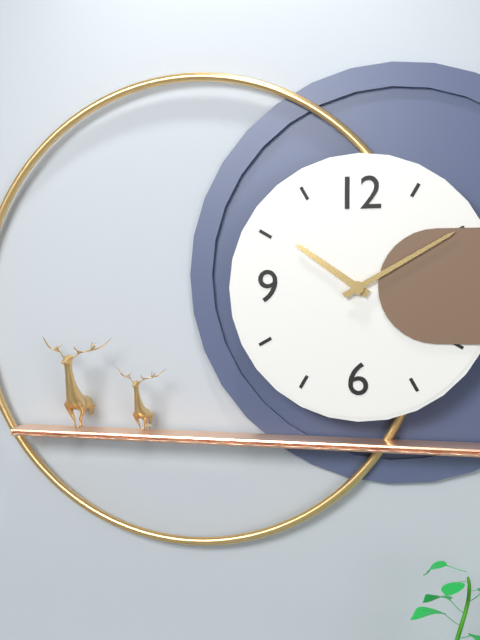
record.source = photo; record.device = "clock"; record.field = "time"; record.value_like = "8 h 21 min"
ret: 10 h 10 min
